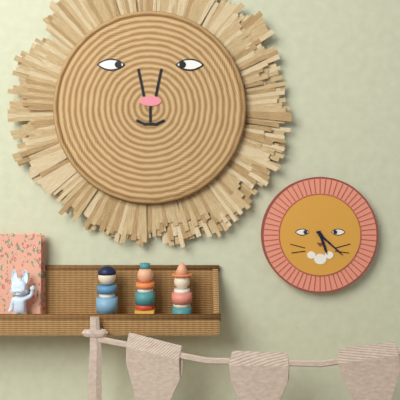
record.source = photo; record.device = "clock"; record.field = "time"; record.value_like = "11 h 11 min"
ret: 5 h 22 min
